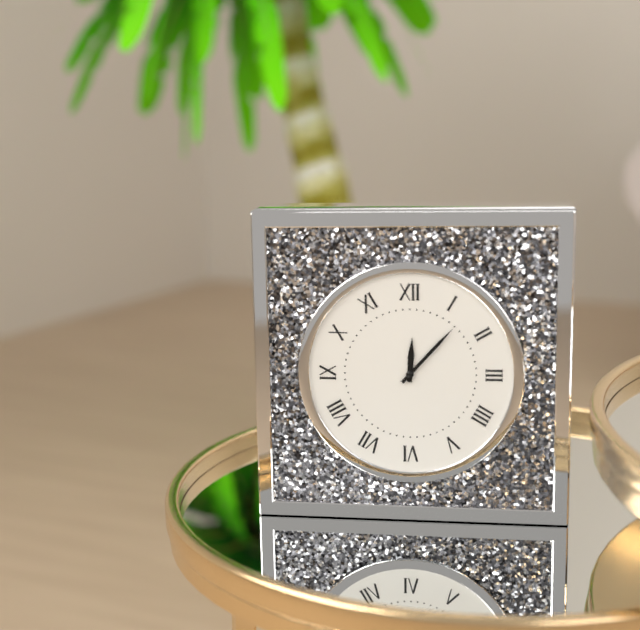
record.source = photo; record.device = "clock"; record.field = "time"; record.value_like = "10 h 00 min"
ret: 12 h 07 min
